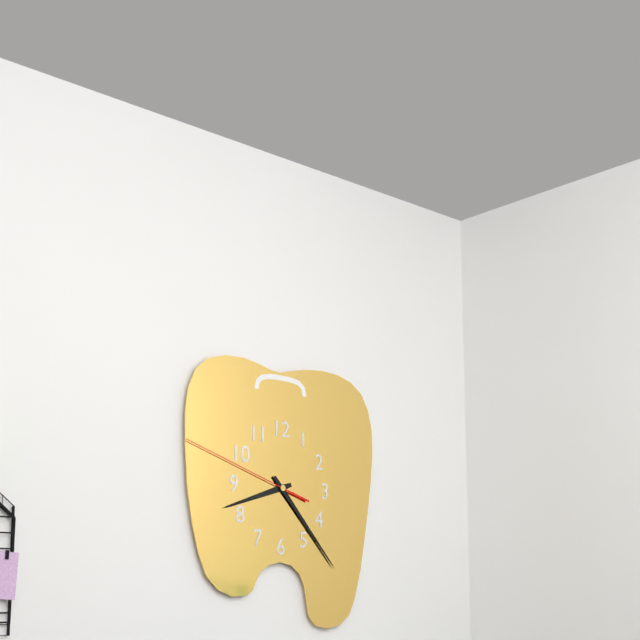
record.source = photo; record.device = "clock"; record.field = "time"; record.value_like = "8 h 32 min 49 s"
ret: 8 h 23 min 48 s
